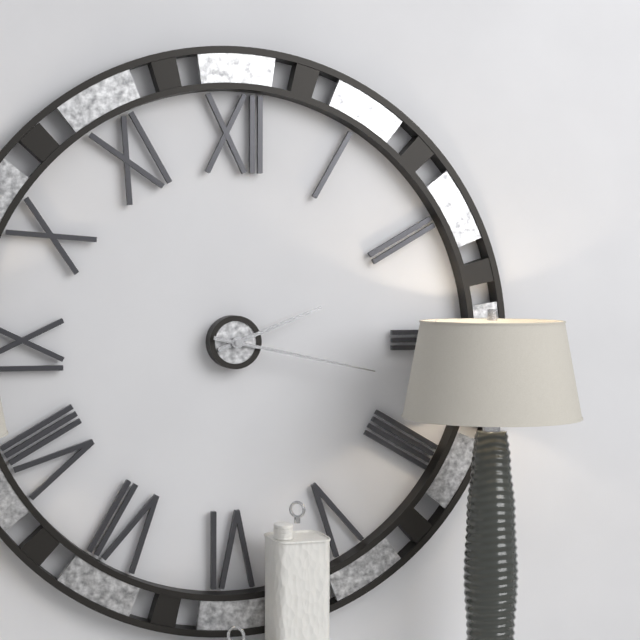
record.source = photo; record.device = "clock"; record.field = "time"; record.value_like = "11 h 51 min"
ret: 2 h 17 min
